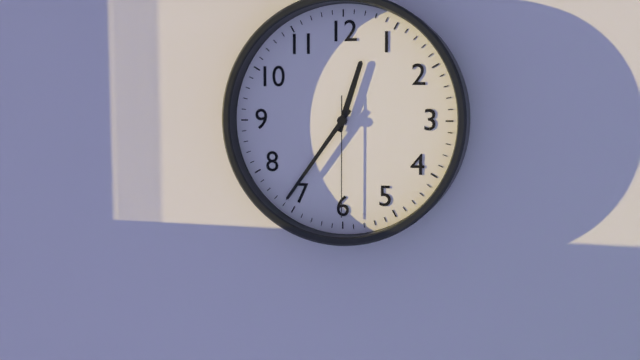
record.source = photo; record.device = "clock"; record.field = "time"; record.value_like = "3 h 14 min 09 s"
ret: 12 h 36 min 30 s
